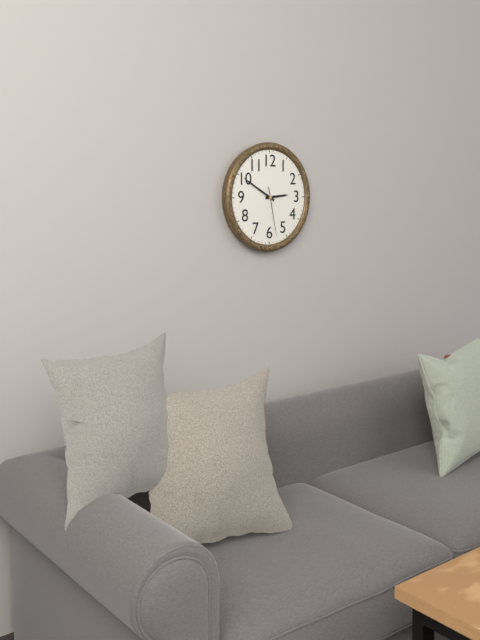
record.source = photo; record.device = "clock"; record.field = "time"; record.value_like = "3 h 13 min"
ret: 2 h 50 min
